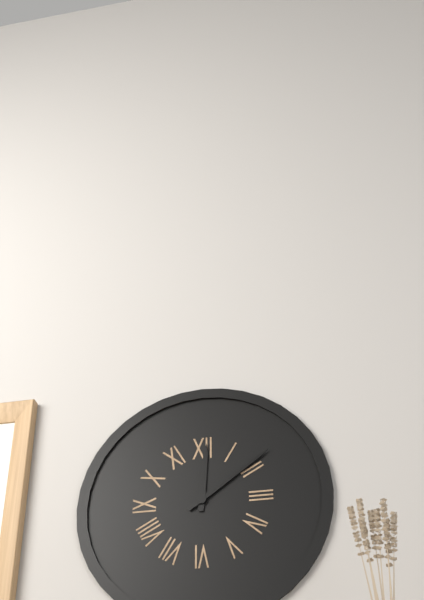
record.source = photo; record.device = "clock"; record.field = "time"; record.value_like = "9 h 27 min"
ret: 12 h 09 min
